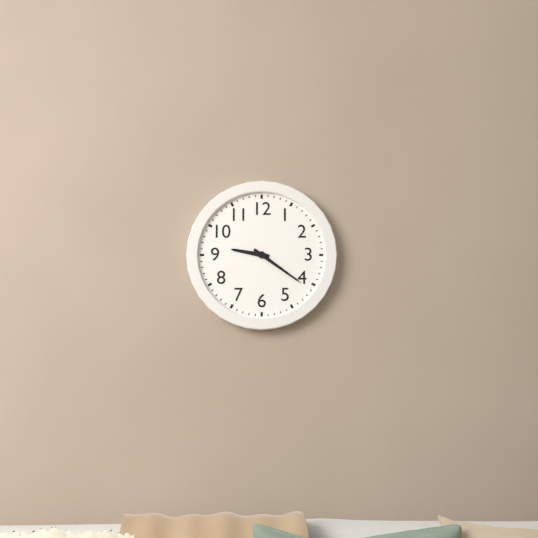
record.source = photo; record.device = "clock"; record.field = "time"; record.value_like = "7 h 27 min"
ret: 9 h 21 min
